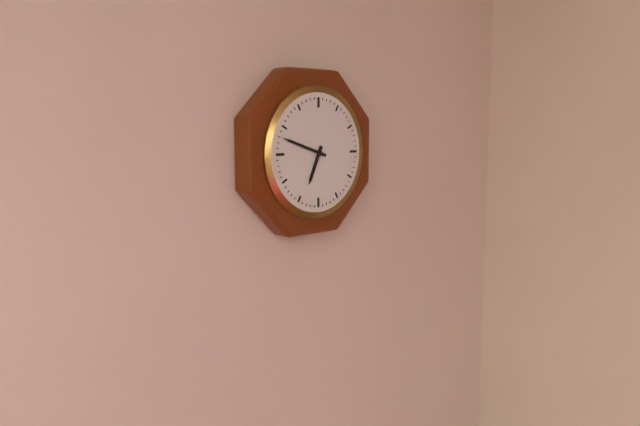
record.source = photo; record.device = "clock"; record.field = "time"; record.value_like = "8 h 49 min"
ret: 6 h 48 min
